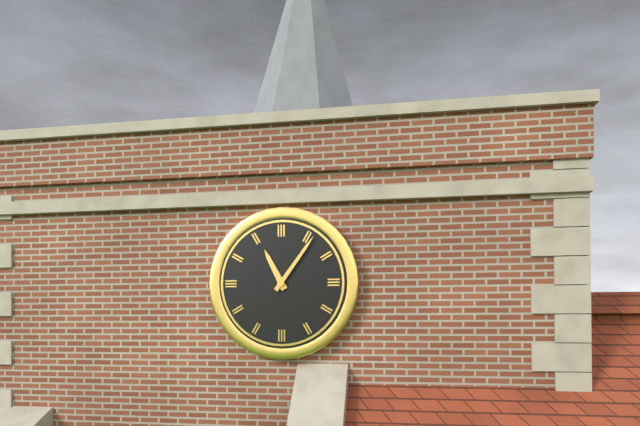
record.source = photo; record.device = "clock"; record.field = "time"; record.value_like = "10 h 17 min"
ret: 11 h 06 min
